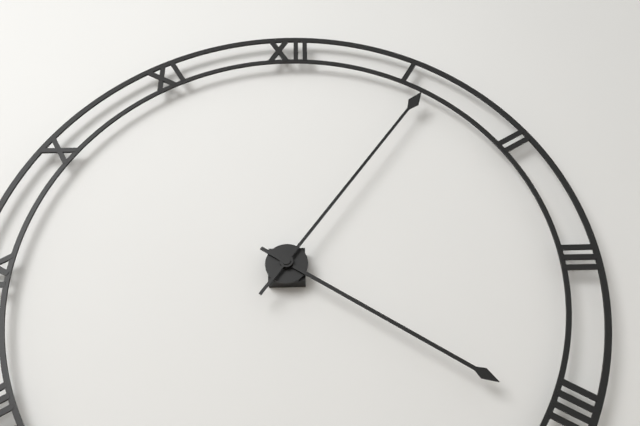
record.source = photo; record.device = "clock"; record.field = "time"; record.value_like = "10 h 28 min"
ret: 4 h 06 min
